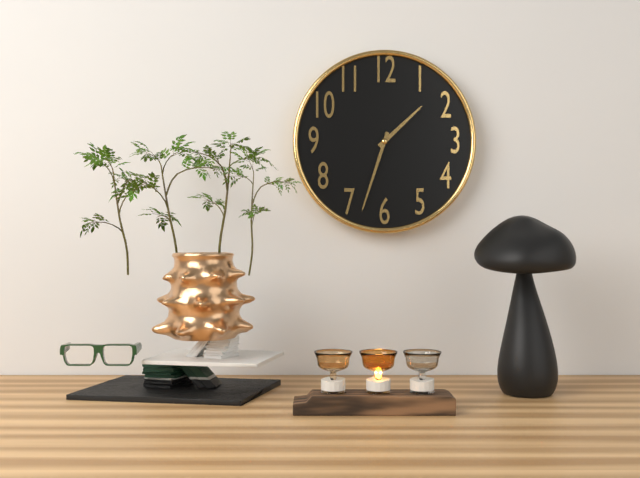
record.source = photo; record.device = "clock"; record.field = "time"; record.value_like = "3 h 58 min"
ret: 1 h 33 min
